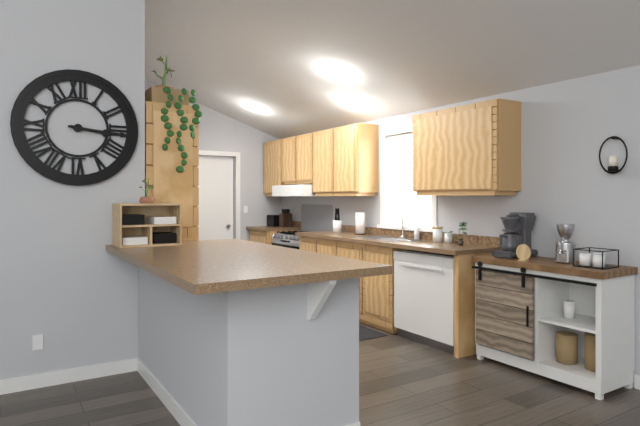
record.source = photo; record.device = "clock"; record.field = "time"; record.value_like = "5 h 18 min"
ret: 3 h 16 min
